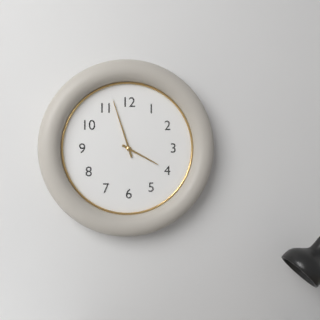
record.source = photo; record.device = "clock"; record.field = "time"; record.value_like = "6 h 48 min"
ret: 3 h 57 min
